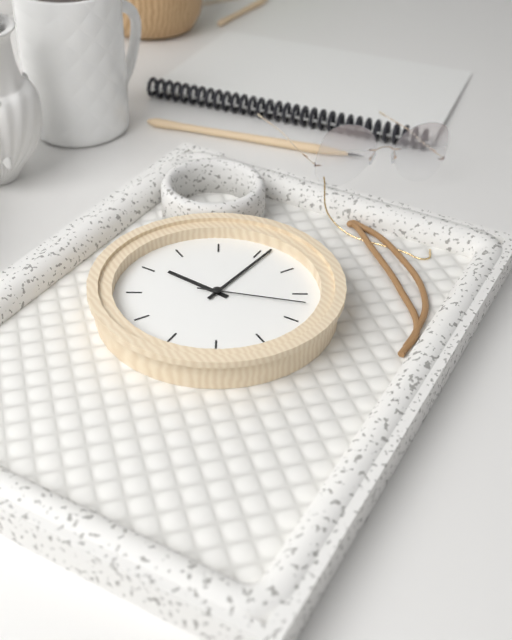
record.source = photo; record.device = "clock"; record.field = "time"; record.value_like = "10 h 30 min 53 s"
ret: 11 h 11 min 22 s
